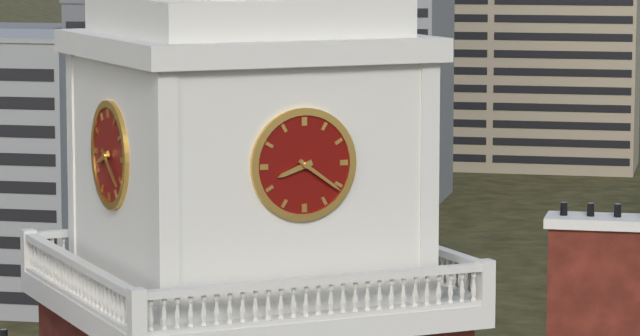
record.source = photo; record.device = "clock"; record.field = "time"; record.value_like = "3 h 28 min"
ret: 8 h 21 min
